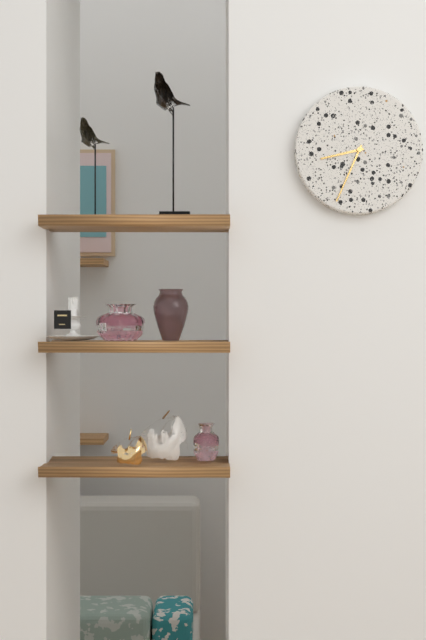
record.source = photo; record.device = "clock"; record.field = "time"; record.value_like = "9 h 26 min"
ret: 8 h 34 min
